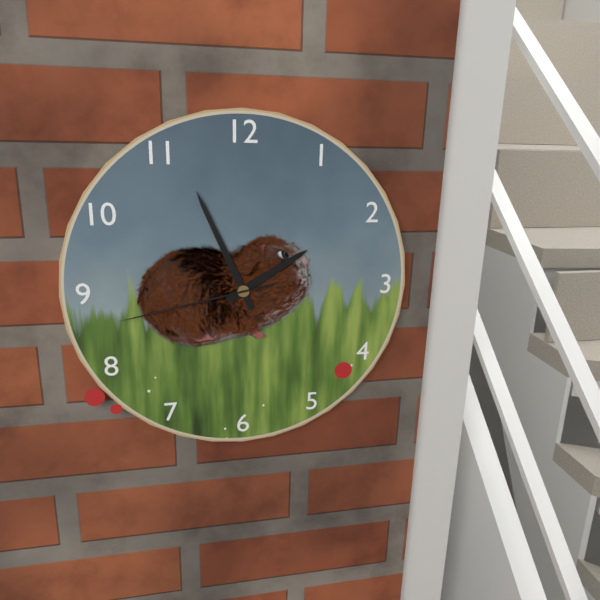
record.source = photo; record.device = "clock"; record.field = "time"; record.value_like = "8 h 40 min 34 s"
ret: 1 h 56 min 43 s
